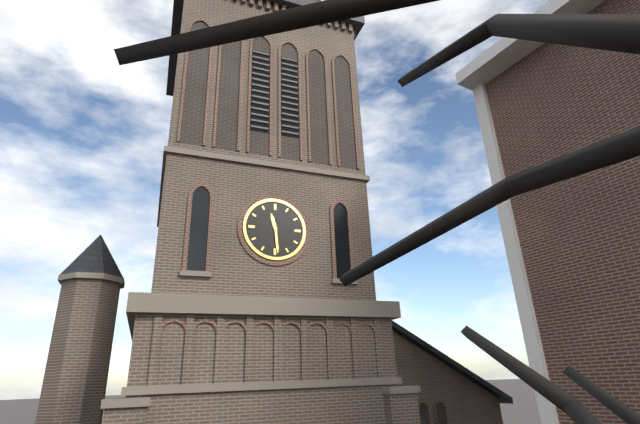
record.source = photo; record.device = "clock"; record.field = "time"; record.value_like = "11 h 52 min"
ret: 11 h 29 min
